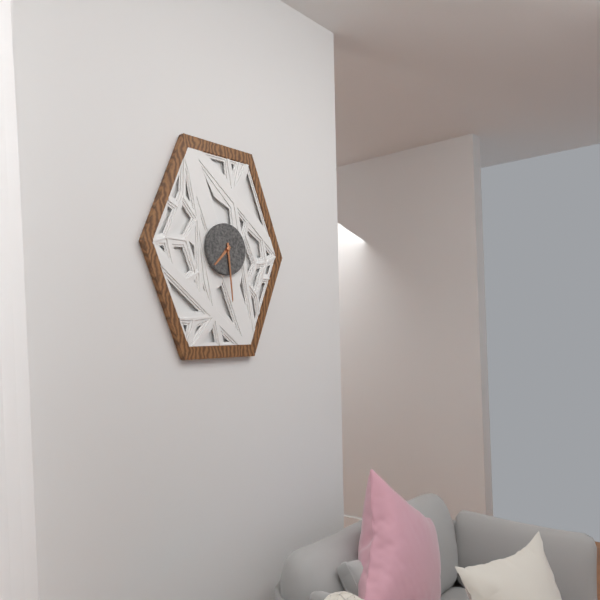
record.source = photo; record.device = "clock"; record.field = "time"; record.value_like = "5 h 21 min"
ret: 7 h 29 min
